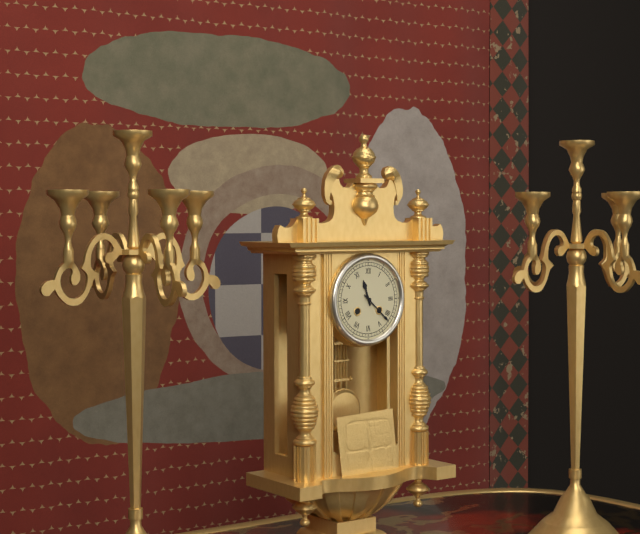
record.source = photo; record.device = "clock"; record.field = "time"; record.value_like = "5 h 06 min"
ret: 11 h 22 min
